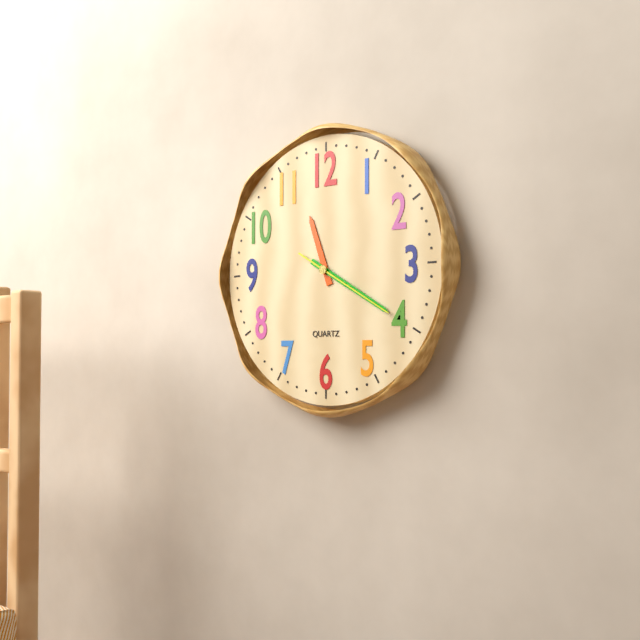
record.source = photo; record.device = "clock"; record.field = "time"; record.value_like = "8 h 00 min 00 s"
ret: 11 h 20 min 20 s
